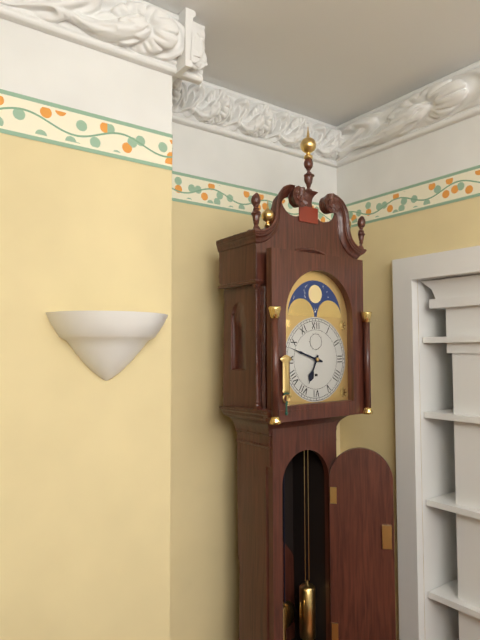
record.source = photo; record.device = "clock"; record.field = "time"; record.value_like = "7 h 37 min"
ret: 6 h 48 min
